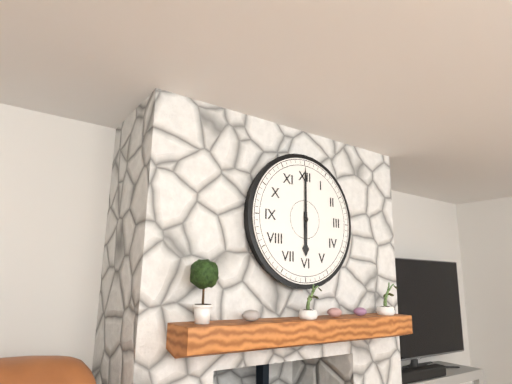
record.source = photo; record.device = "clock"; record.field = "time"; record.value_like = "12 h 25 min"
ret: 6 h 00 min
